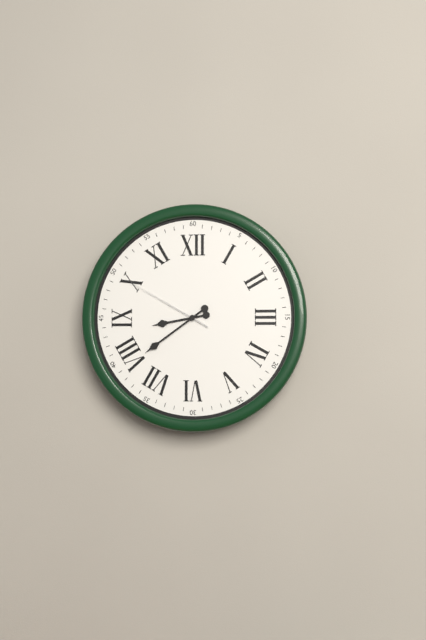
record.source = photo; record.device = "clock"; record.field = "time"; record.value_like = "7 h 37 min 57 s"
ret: 8 h 39 min 50 s
